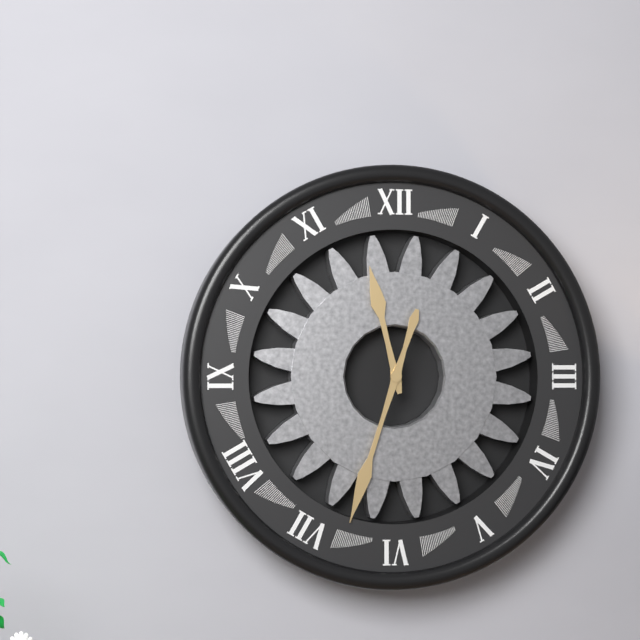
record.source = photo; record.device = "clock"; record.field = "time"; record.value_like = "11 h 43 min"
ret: 11 h 33 min
